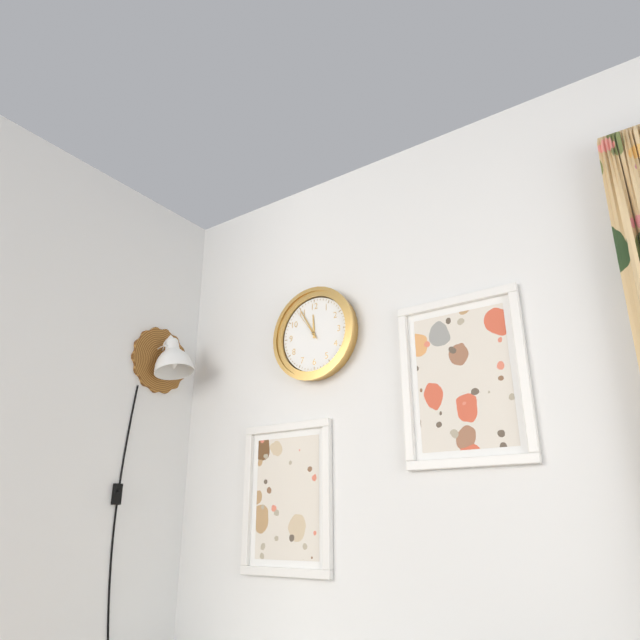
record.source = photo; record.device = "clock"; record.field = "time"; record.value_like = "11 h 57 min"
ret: 11 h 55 min
